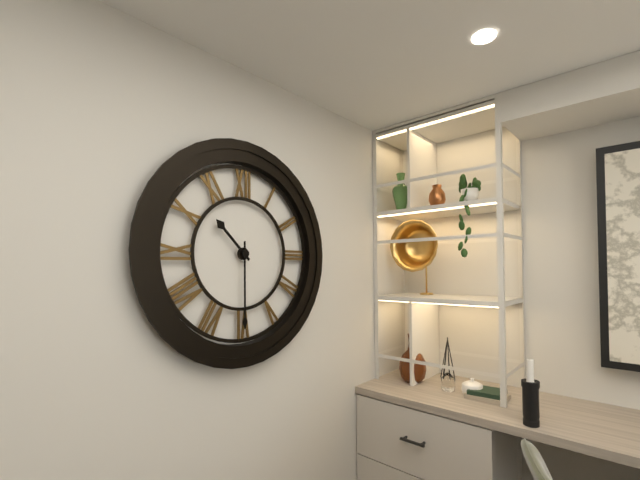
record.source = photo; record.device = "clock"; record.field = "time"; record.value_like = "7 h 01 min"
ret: 10 h 30 min
